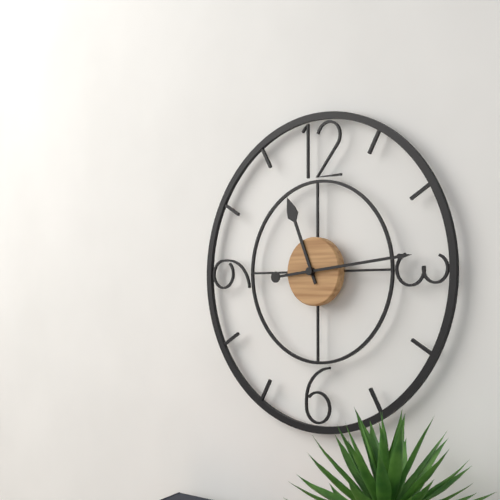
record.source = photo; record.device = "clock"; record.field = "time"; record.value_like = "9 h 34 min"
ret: 11 h 14 min
